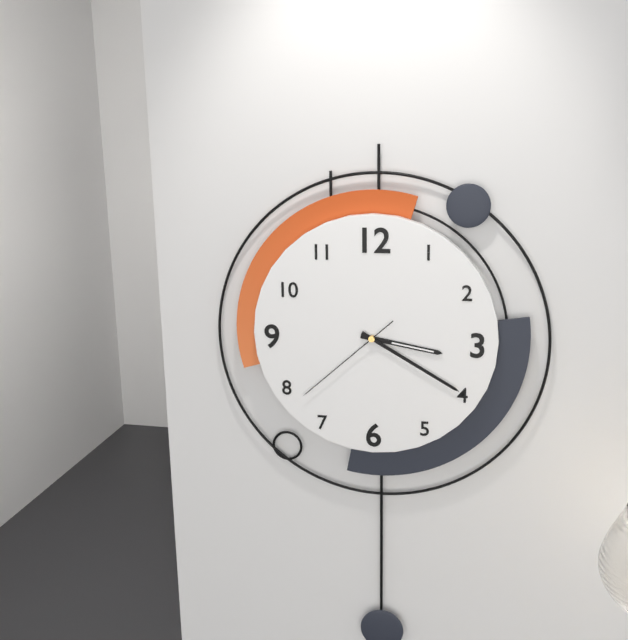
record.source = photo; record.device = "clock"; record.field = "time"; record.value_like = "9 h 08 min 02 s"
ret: 3 h 20 min 38 s
